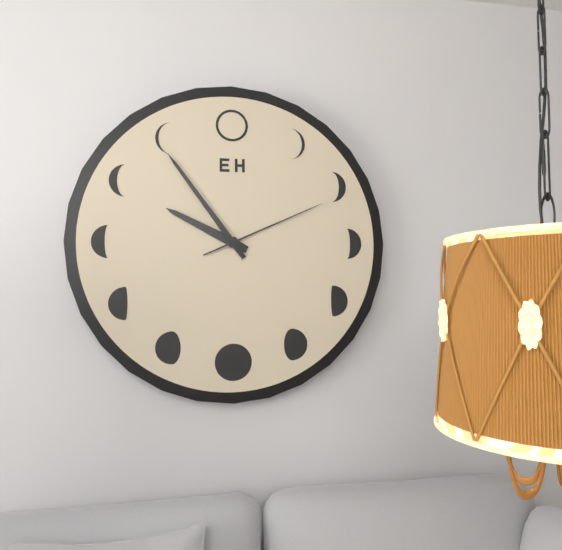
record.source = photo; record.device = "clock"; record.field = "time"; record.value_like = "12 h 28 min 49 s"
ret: 9 h 54 min 11 s
